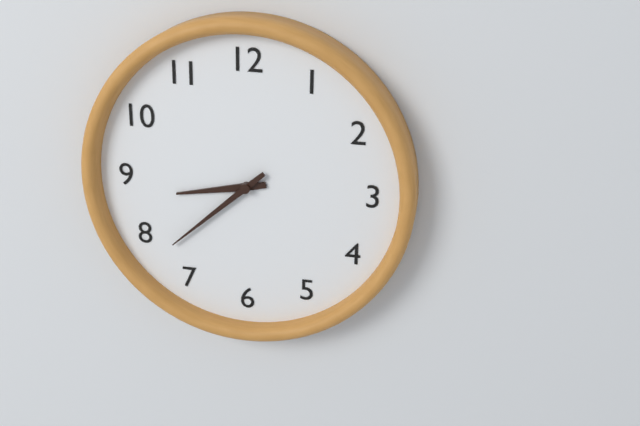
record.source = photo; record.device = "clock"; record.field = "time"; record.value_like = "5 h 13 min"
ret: 8 h 38 min
